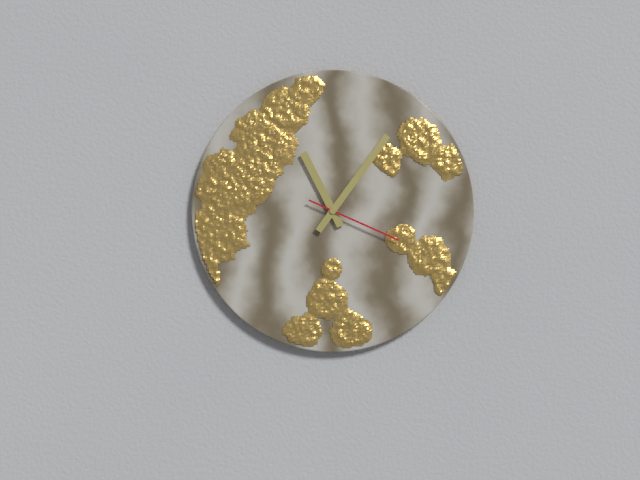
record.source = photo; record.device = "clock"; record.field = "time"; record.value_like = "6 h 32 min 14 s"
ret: 11 h 06 min 19 s
